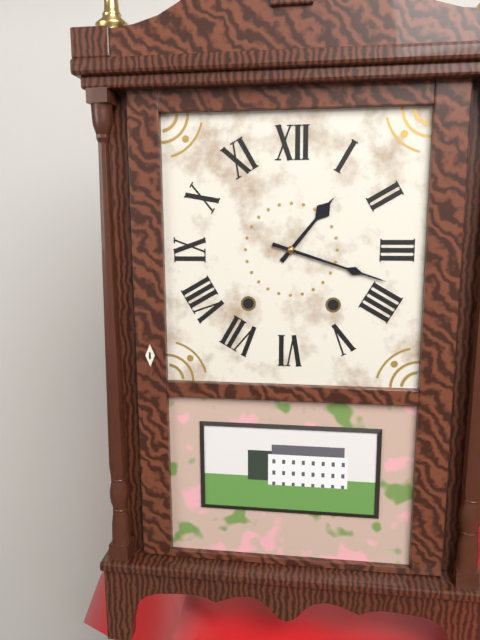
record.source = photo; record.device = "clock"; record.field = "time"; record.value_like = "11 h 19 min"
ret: 1 h 18 min
